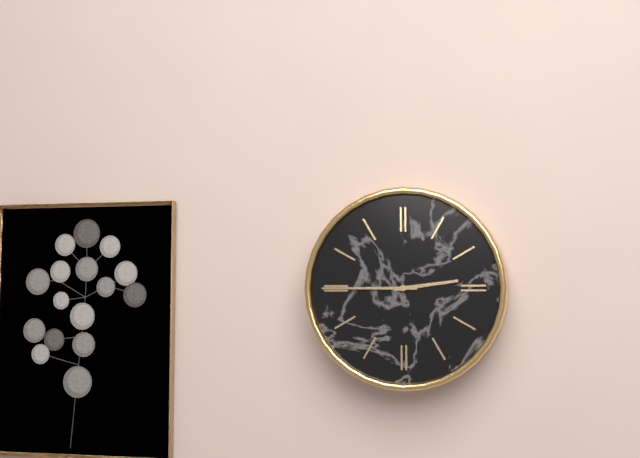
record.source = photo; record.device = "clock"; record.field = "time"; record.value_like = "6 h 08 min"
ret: 2 h 45 min
